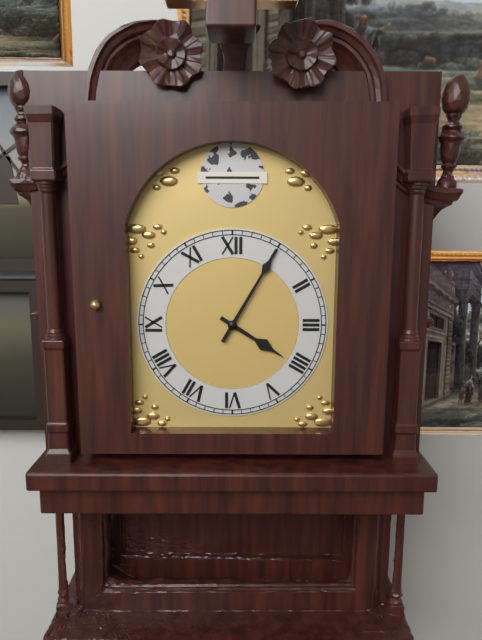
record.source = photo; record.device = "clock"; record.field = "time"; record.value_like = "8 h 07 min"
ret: 4 h 05 min
